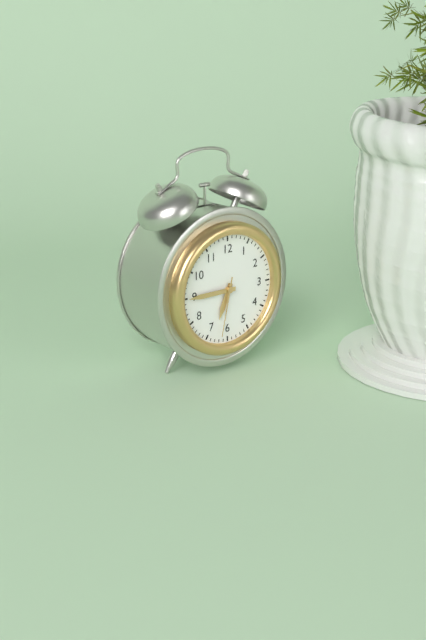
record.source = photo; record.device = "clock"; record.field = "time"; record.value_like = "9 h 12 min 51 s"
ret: 6 h 45 min 32 s
